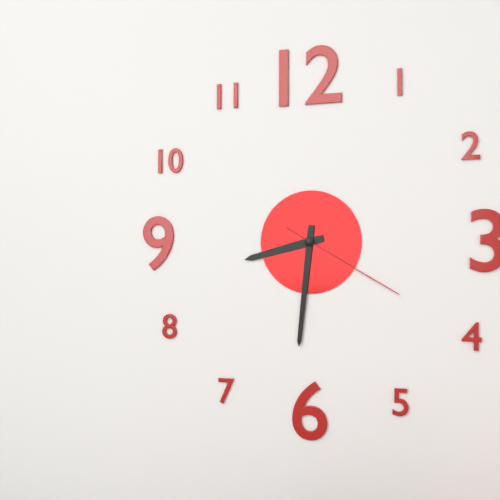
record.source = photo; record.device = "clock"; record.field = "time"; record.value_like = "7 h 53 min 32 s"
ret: 8 h 31 min 20 s
